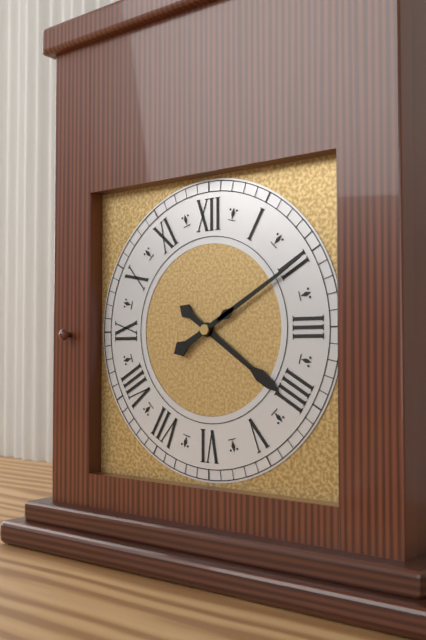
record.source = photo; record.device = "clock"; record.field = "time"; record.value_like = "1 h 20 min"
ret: 4 h 10 min
